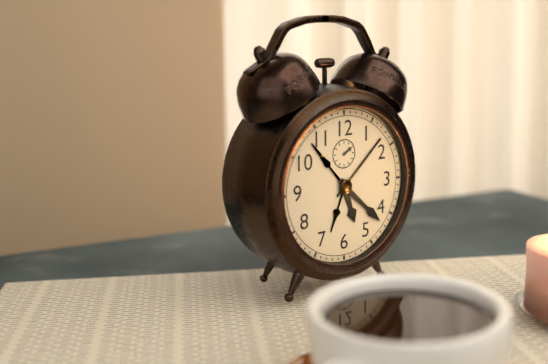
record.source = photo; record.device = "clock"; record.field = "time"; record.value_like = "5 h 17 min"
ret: 5 h 22 min
